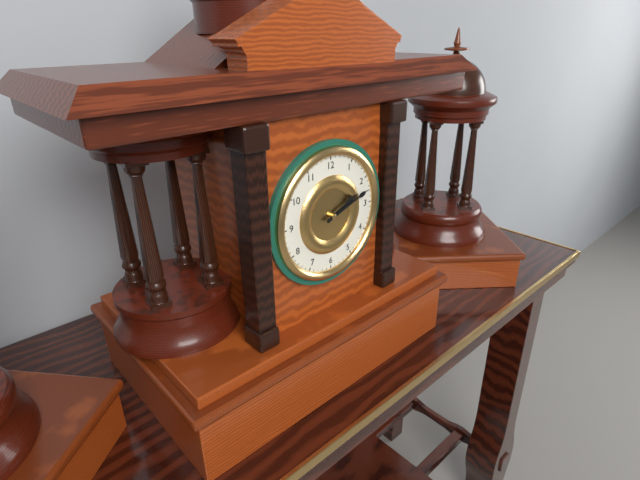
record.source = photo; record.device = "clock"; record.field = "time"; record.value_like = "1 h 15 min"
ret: 2 h 12 min
